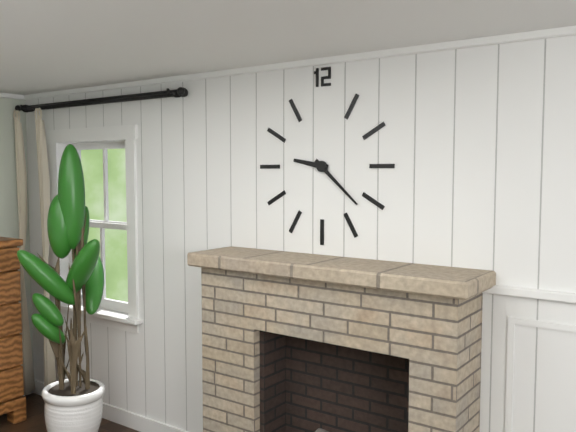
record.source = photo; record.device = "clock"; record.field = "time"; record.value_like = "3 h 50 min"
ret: 9 h 22 min
